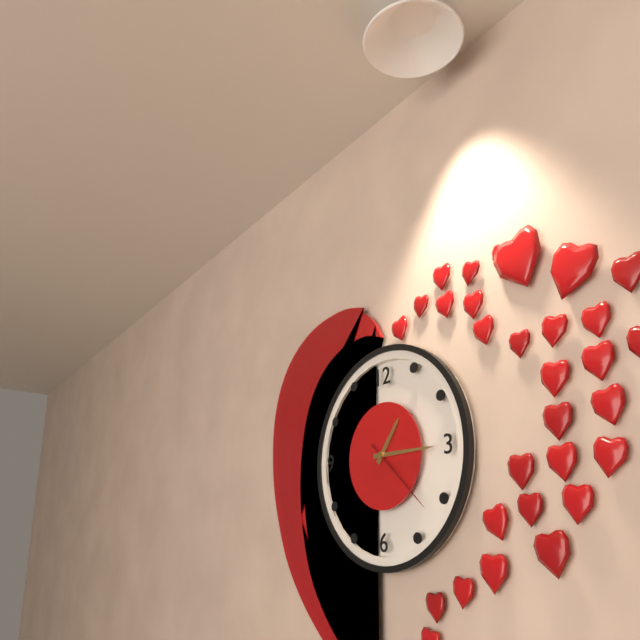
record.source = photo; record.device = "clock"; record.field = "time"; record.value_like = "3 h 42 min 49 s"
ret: 1 h 15 min 22 s
